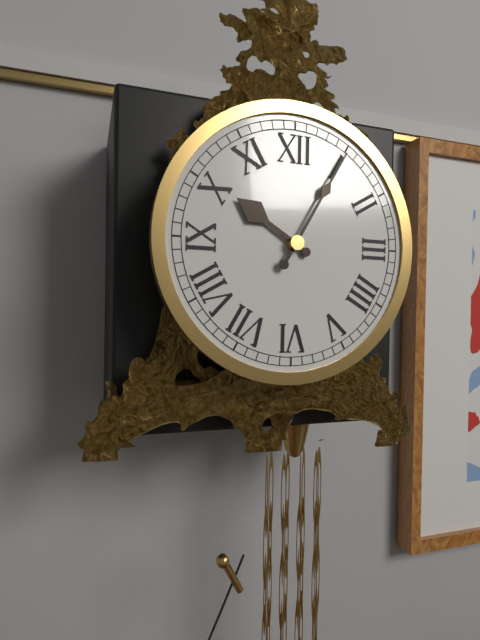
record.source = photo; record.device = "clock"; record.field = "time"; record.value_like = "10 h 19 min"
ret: 10 h 05 min
